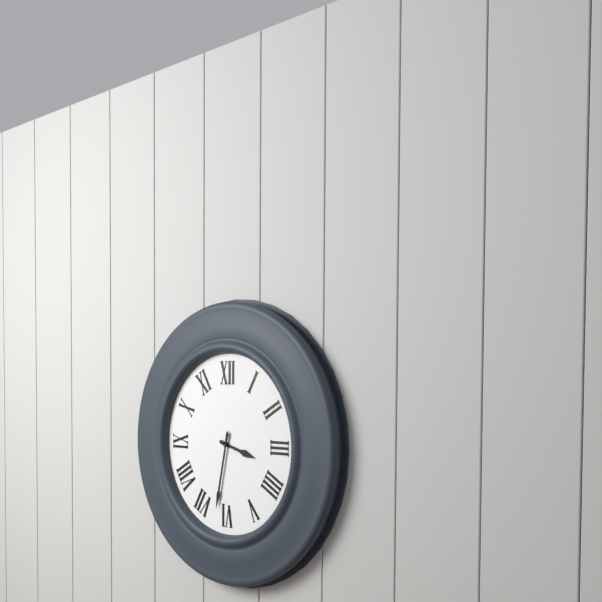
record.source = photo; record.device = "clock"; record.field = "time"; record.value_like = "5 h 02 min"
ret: 3 h 32 min
